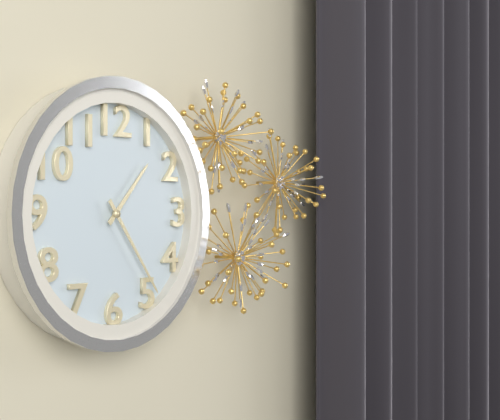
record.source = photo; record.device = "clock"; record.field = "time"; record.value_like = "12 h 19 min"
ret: 1 h 24 min
